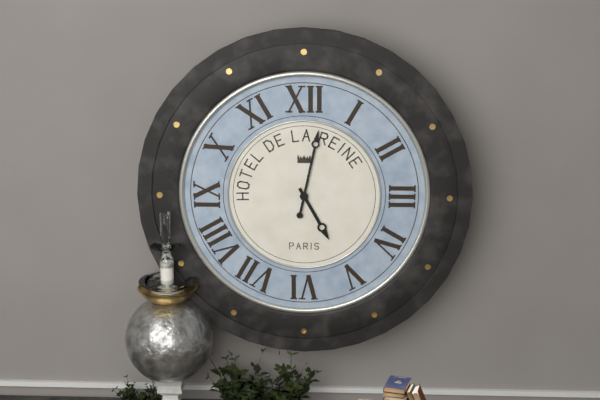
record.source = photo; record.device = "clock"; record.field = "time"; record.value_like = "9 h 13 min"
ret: 5 h 02 min
